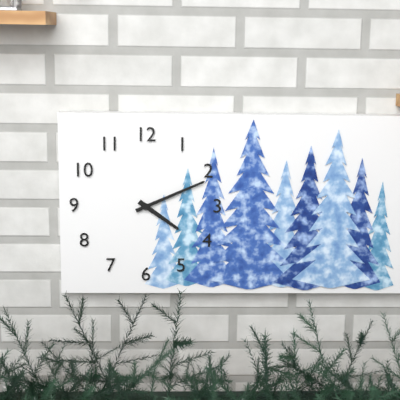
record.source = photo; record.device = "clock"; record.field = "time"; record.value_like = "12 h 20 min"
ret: 4 h 11 min
